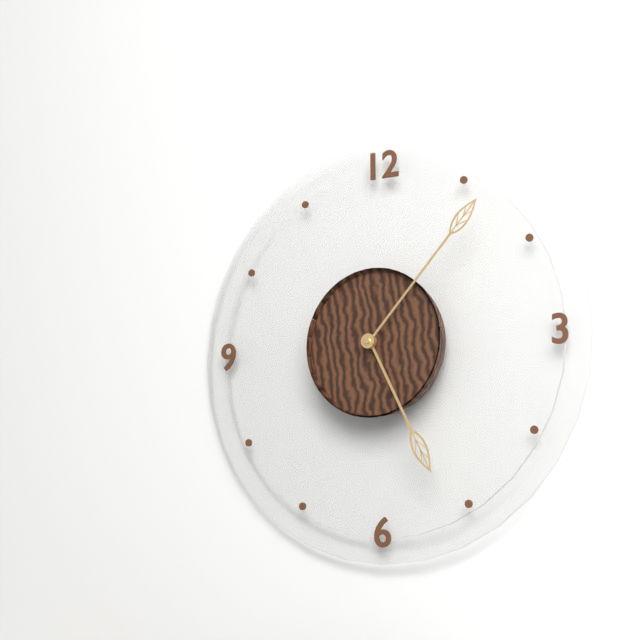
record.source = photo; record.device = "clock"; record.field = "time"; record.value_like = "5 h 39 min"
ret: 5 h 07 min
